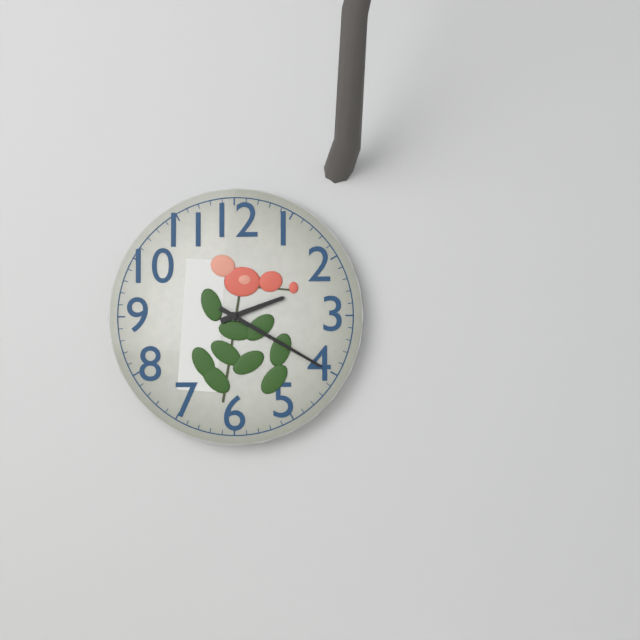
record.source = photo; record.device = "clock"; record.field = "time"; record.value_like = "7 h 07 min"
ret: 2 h 20 min
